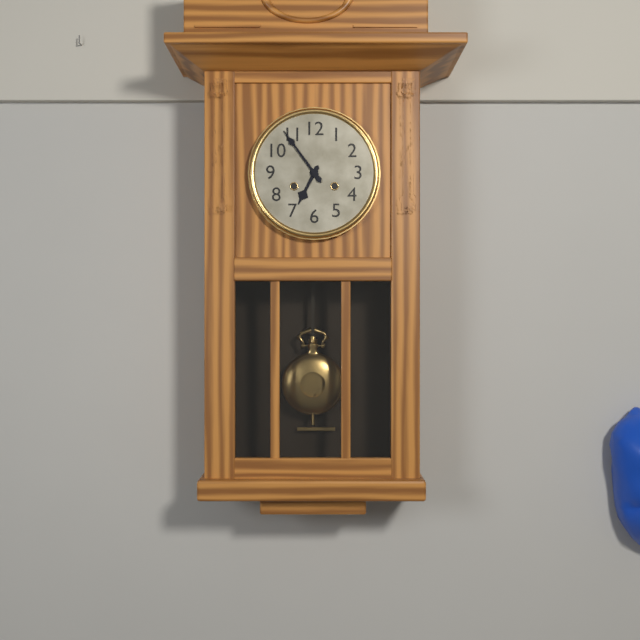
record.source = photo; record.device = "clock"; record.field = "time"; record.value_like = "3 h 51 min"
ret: 6 h 54 min
